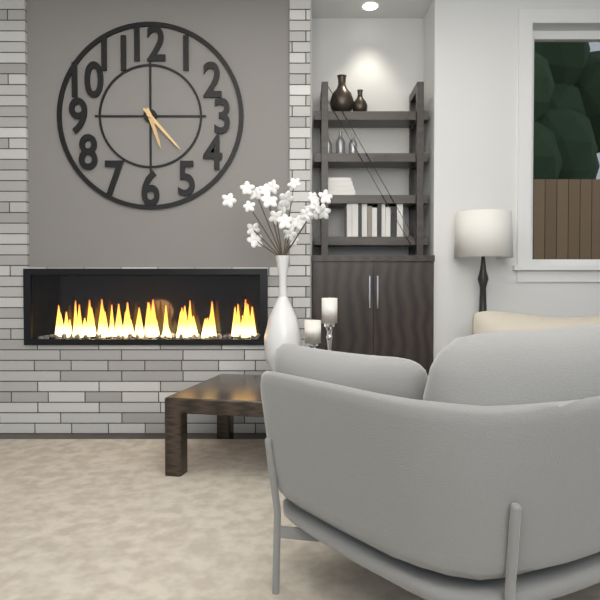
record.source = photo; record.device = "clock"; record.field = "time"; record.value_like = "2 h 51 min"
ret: 5 h 23 min
